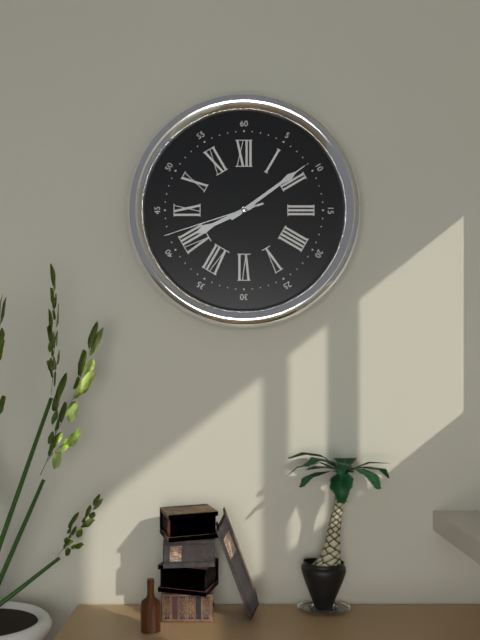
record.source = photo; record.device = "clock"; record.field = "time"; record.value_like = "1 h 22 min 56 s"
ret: 8 h 09 min 42 s
